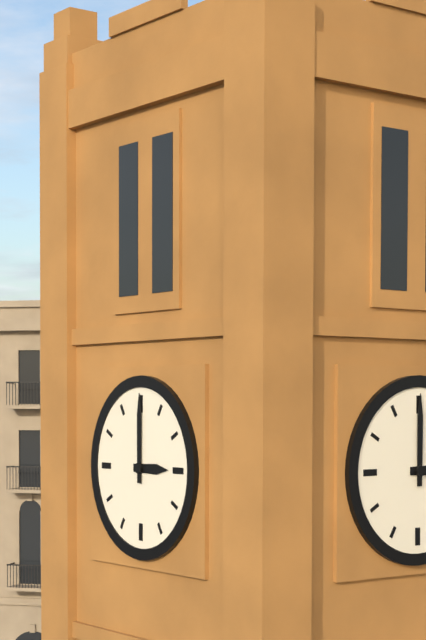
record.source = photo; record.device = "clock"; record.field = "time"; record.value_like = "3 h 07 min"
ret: 3 h 00 min
